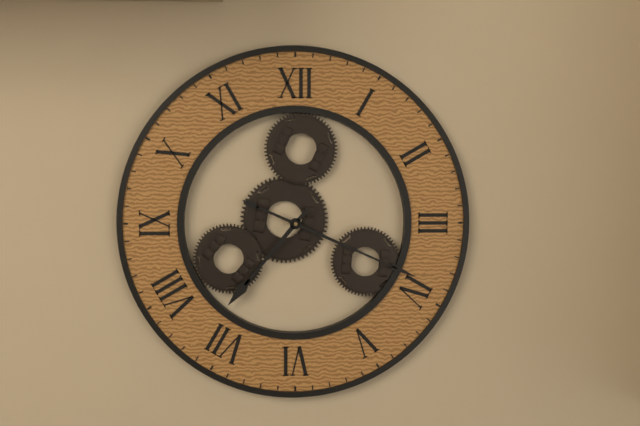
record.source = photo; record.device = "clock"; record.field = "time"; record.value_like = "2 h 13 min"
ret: 7 h 19 min
